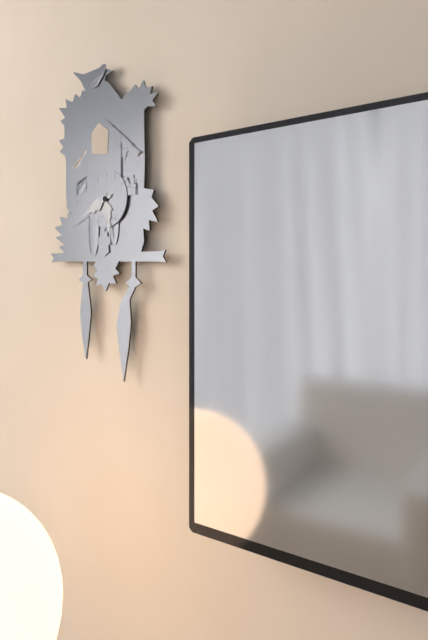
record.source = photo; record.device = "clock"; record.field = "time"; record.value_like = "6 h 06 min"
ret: 5 h 41 min
